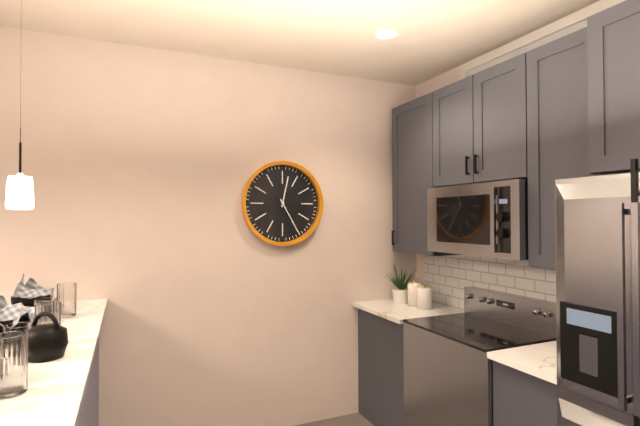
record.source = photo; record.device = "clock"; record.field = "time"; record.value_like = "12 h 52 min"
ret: 12 h 25 min
